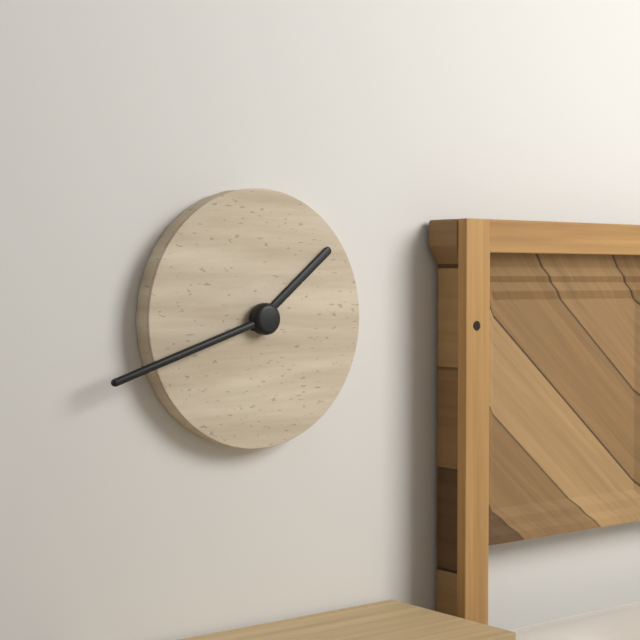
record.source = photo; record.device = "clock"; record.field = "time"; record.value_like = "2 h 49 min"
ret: 1 h 42 min
